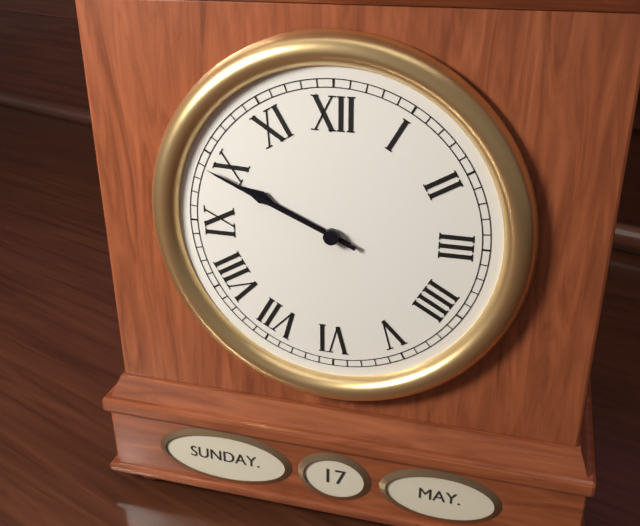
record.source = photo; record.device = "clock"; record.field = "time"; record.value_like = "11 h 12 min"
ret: 9 h 49 min
